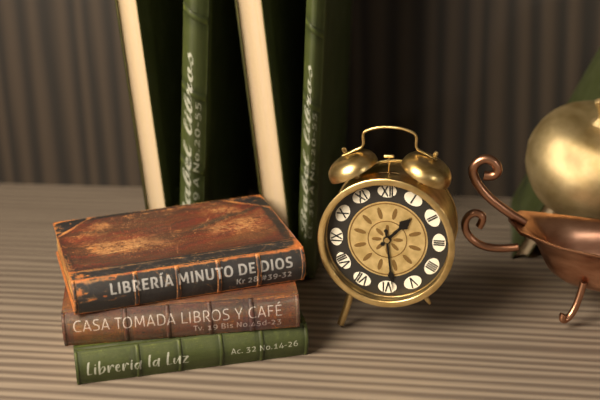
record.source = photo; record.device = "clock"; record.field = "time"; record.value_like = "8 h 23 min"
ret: 1 h 29 min
